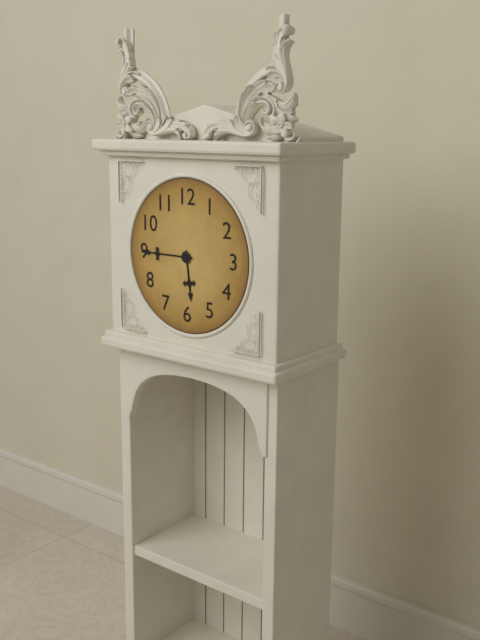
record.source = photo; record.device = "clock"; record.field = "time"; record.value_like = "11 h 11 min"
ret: 5 h 45 min
